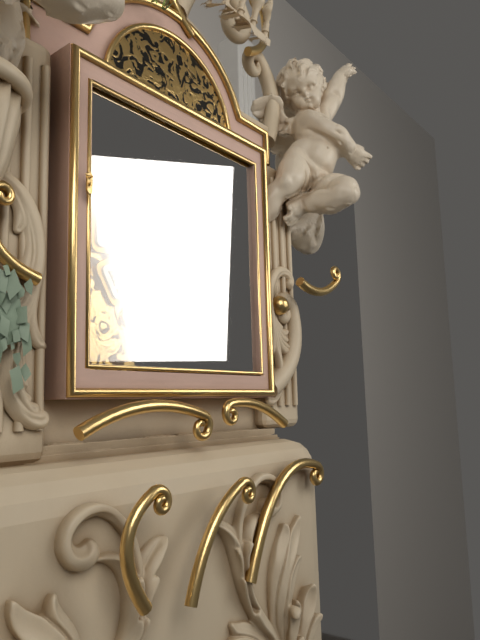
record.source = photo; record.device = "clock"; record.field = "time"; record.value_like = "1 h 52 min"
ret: 9 h 22 min
